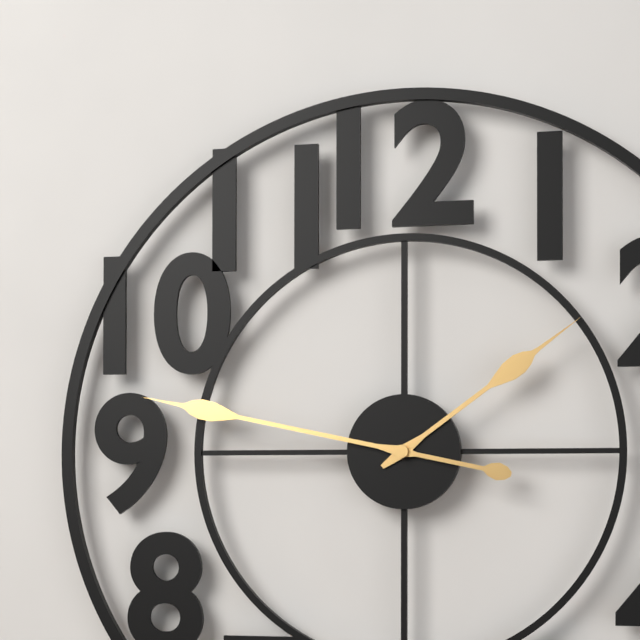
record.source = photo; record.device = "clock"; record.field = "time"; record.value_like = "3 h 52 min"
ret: 1 h 47 min
